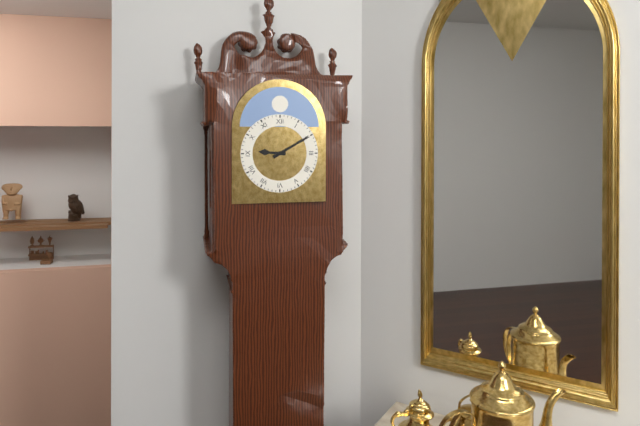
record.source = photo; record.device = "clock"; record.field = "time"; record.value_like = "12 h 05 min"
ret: 9 h 10 min
